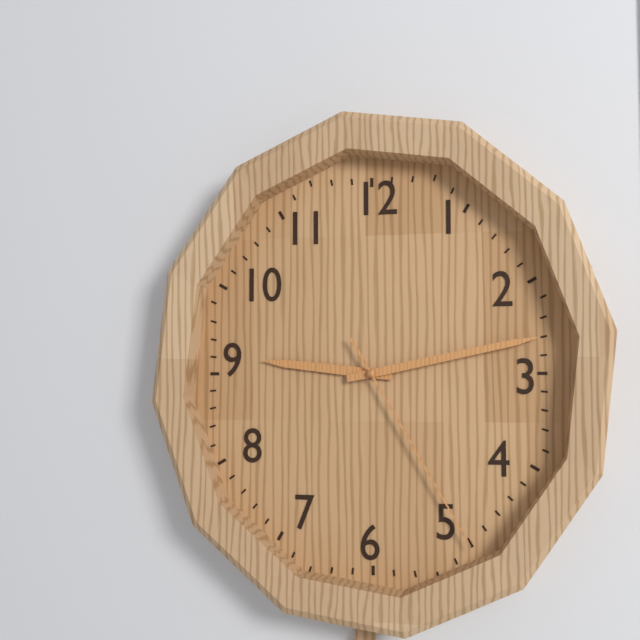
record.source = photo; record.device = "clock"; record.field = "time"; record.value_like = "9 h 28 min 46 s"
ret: 9 h 13 min 25 s
